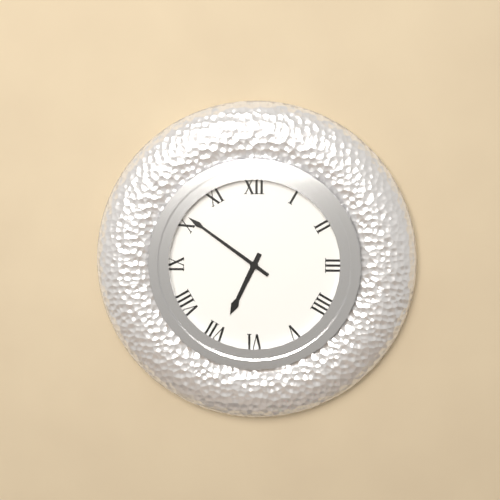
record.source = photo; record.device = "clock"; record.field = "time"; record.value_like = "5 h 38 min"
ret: 6 h 51 min
